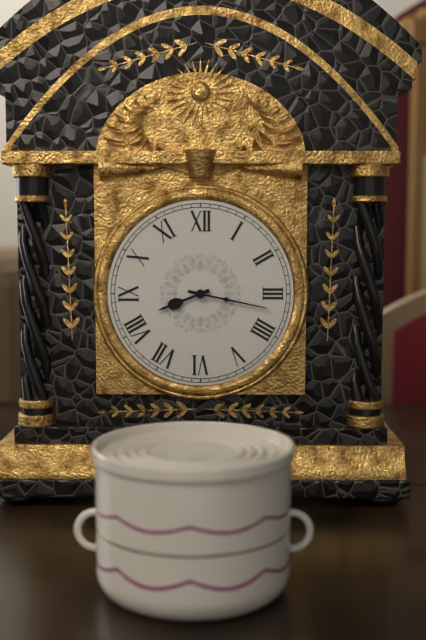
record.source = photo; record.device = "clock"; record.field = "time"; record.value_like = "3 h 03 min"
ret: 8 h 17 min
